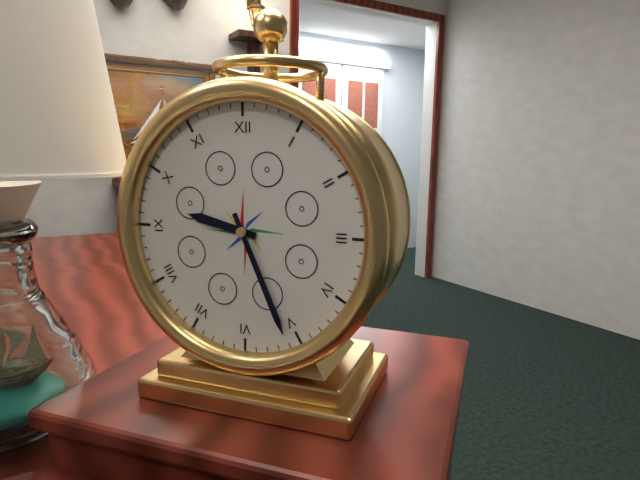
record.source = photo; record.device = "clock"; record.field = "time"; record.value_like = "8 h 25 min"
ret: 9 h 26 min
